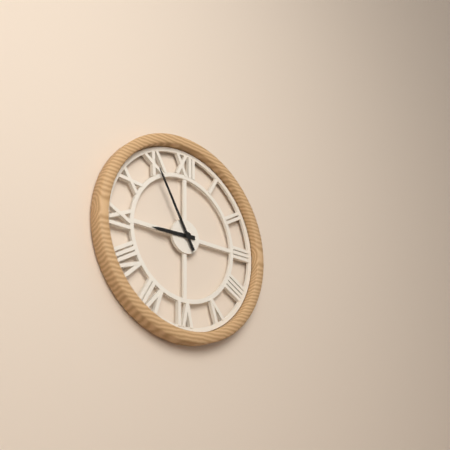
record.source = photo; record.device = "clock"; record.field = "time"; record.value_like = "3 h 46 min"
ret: 8 h 55 min
